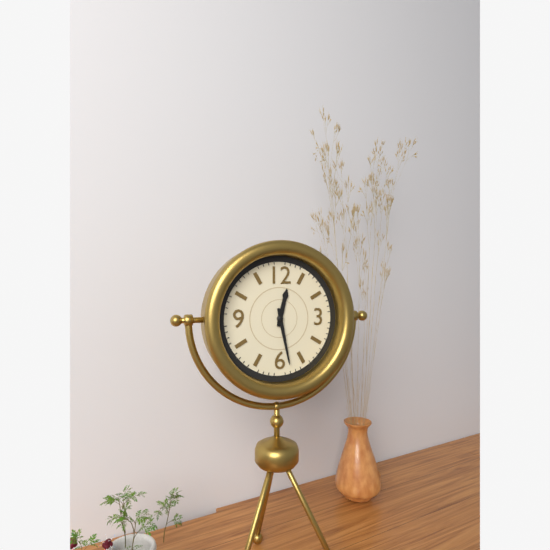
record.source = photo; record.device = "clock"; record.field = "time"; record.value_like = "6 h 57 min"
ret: 12 h 28 min
